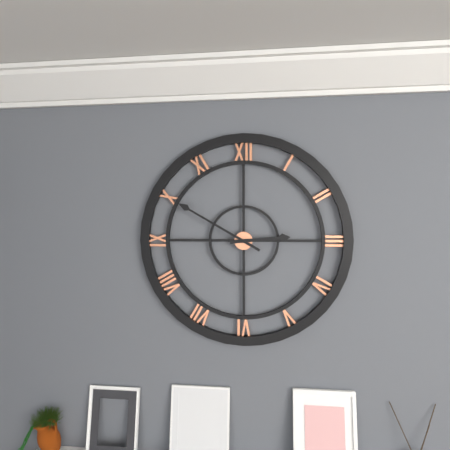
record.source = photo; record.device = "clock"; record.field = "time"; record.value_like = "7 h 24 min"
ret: 2 h 50 min
